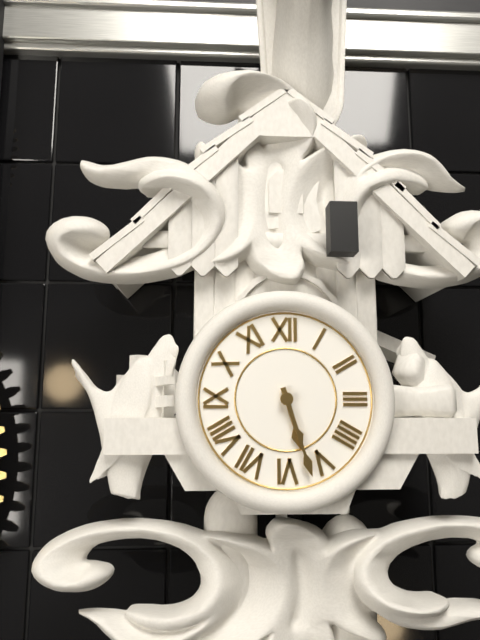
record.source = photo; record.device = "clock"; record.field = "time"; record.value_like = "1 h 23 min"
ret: 5 h 27 min
